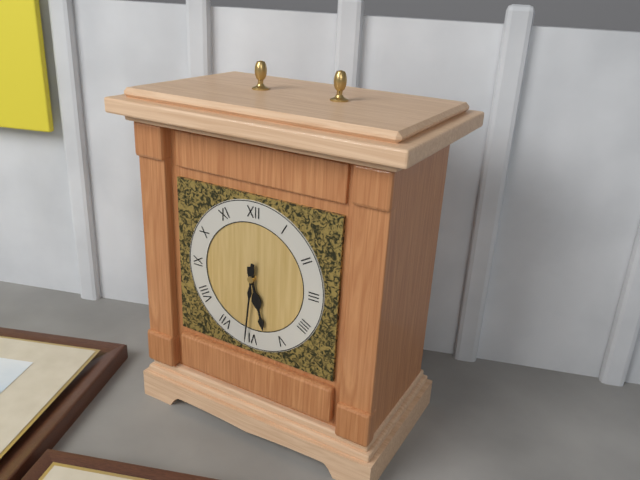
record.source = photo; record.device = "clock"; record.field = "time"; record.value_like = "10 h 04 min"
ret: 5 h 31 min
